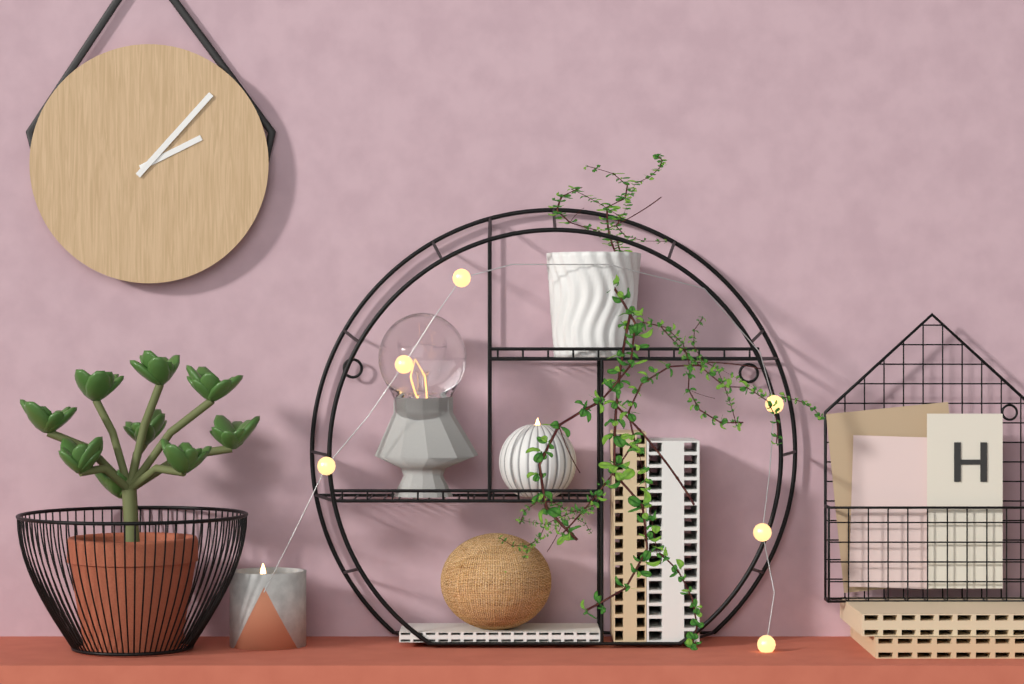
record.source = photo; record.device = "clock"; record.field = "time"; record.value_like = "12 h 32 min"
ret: 2 h 07 min
